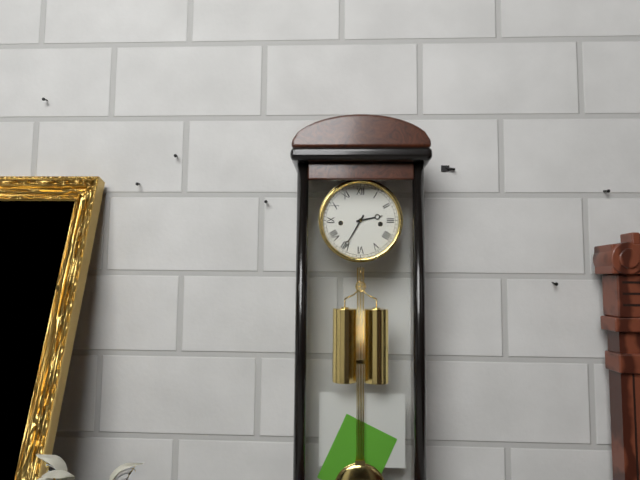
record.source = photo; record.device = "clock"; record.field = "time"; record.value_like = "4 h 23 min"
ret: 2 h 35 min
